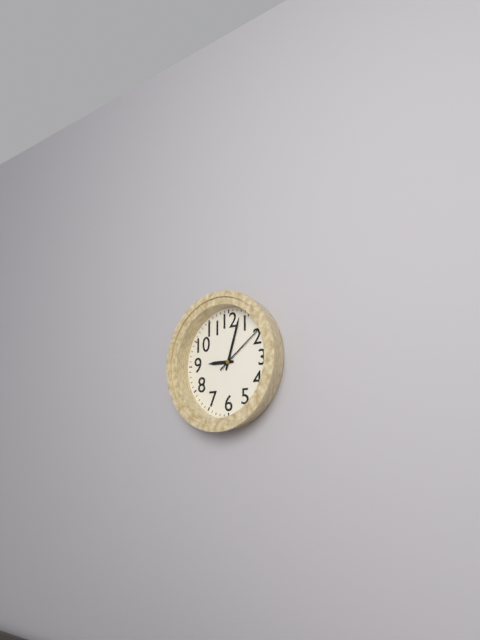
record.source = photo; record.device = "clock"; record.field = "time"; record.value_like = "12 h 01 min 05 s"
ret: 9 h 03 min 09 s
